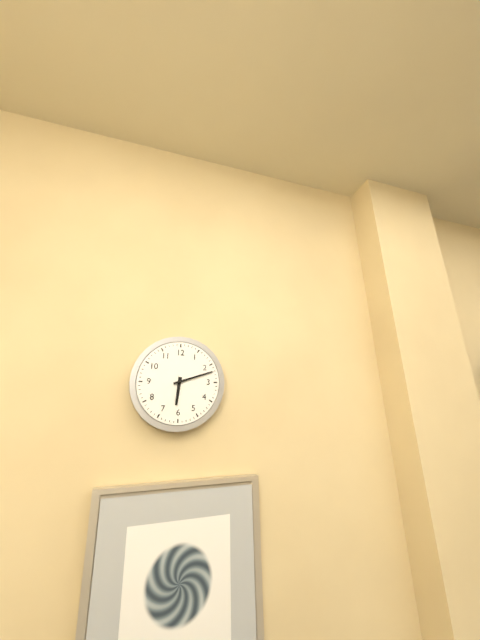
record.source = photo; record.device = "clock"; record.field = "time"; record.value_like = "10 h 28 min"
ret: 6 h 12 min
